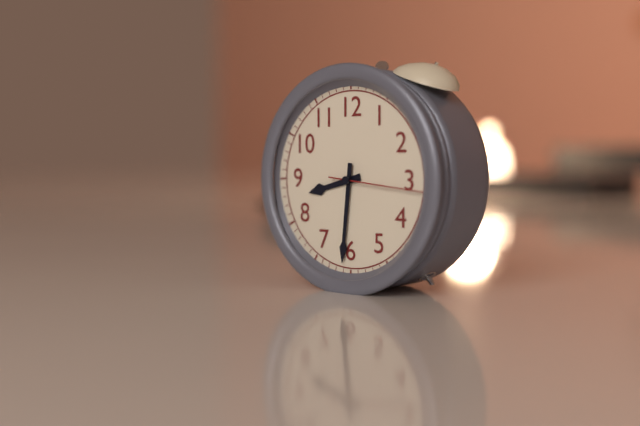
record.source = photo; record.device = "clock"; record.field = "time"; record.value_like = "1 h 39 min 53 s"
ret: 8 h 31 min 16 s
